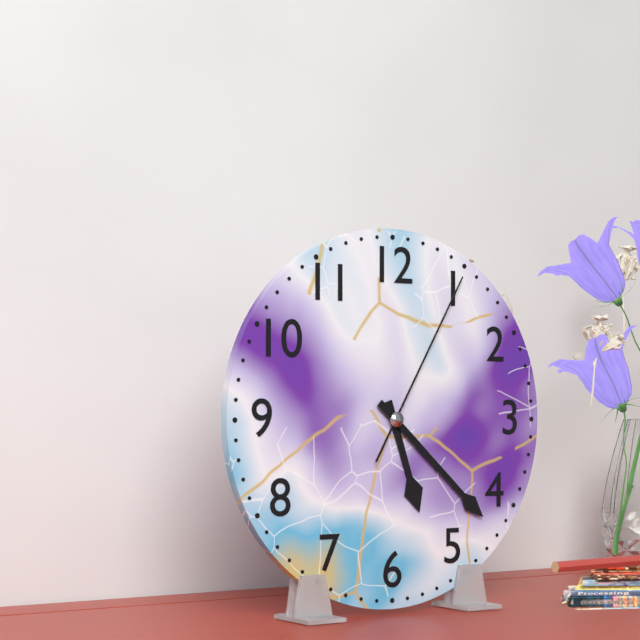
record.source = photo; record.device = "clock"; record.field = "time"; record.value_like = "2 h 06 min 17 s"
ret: 5 h 22 min 05 s
